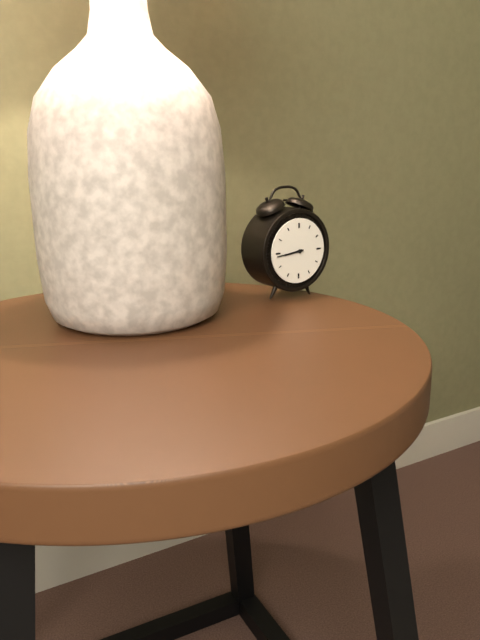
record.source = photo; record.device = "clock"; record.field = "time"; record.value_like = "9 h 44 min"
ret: 8 h 44 min
